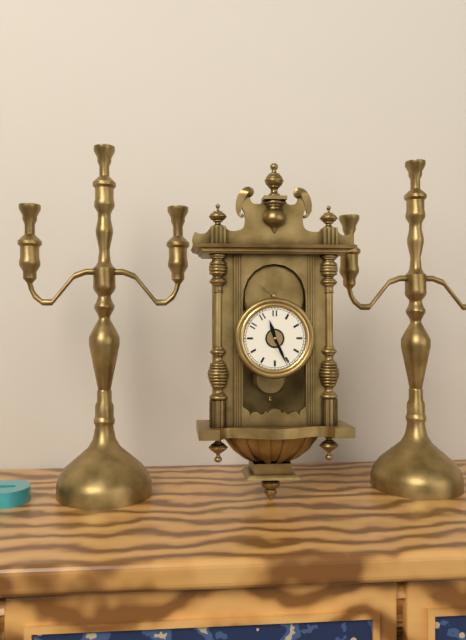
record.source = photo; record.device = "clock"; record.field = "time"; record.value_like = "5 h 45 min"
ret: 11 h 26 min
